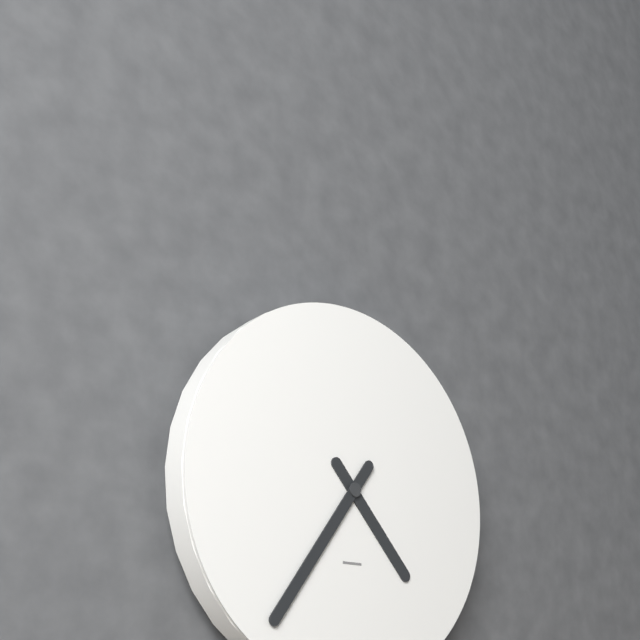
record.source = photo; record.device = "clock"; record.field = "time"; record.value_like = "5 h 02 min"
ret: 4 h 36 min
